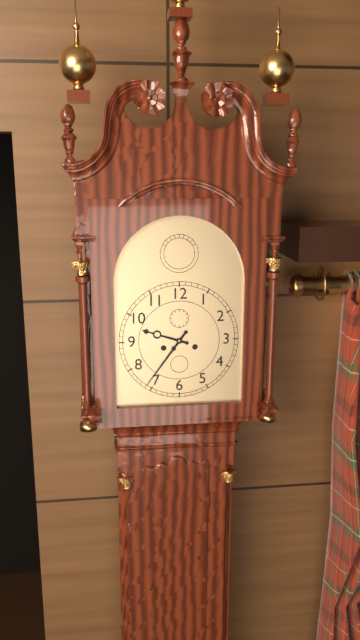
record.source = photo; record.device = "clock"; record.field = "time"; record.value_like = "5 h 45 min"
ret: 9 h 36 min
